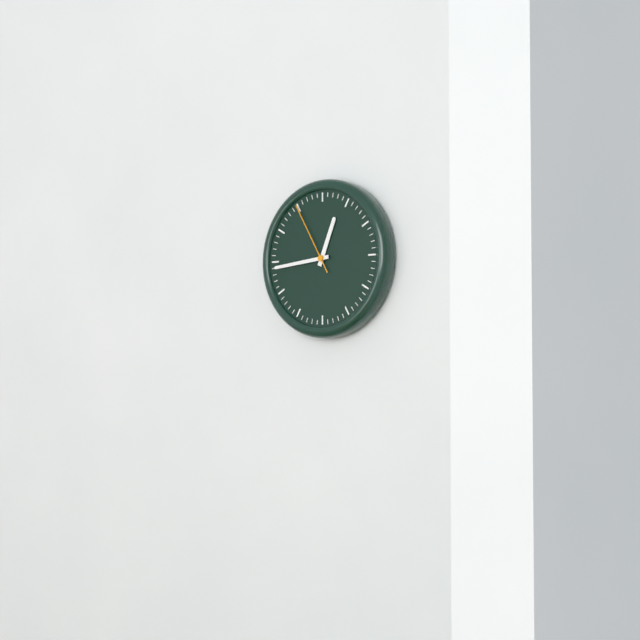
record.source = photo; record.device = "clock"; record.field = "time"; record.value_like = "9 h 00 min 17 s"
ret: 12 h 44 min 55 s
